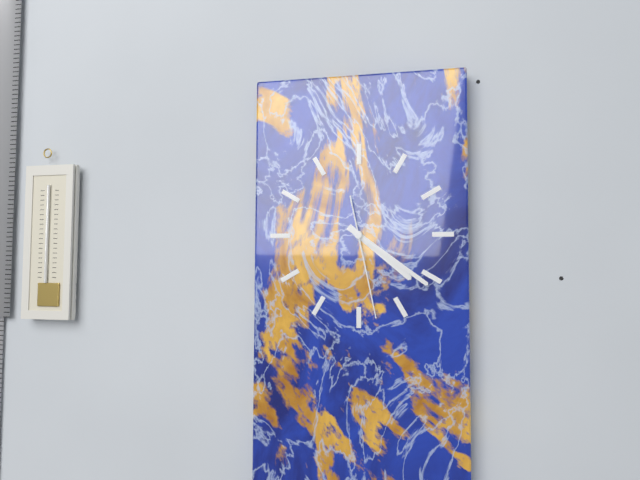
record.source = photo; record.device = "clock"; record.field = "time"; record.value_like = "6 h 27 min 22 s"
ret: 4 h 21 min 28 s
